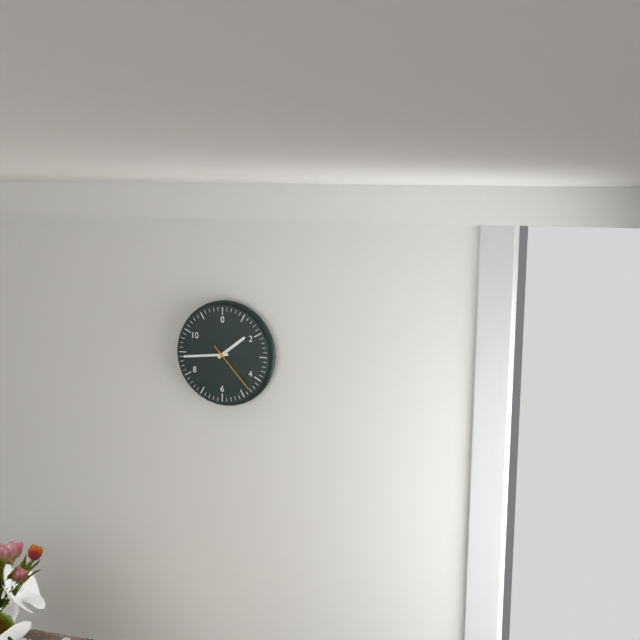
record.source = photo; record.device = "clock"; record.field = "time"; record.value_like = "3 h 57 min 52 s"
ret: 1 h 44 min 23 s
